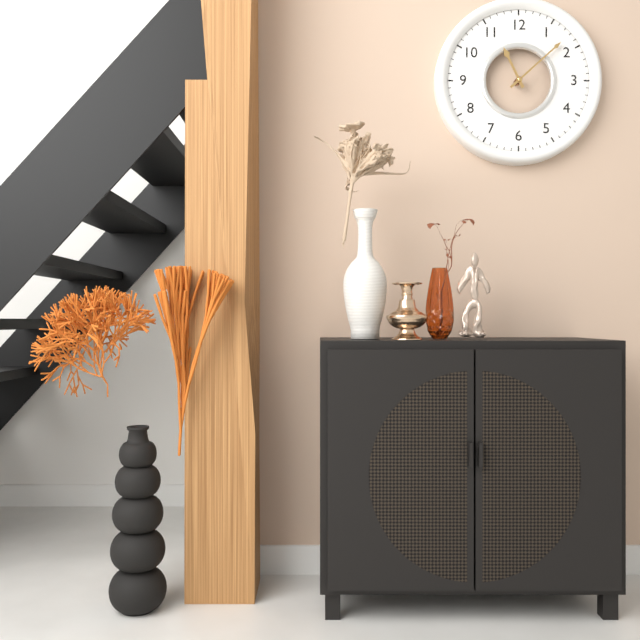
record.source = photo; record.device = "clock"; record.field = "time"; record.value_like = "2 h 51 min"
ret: 11 h 08 min
